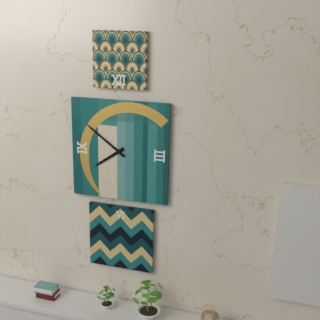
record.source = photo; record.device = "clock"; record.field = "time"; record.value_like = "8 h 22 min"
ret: 7 h 51 min
